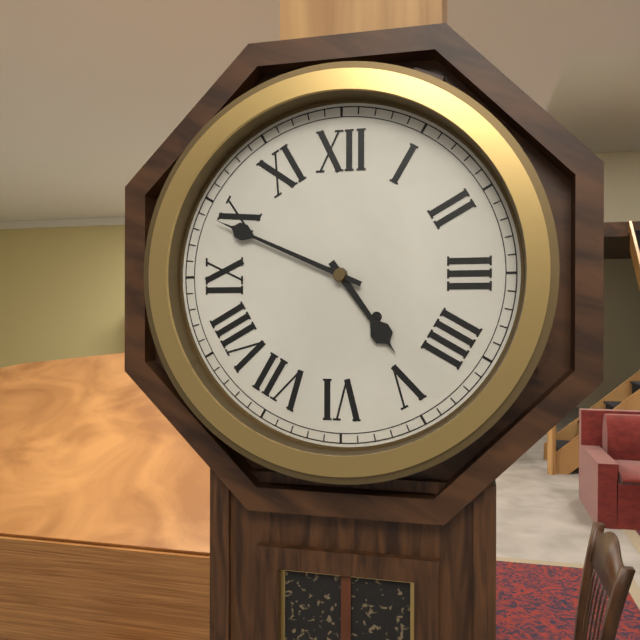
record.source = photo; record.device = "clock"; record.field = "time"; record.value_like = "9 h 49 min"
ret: 4 h 49 min
